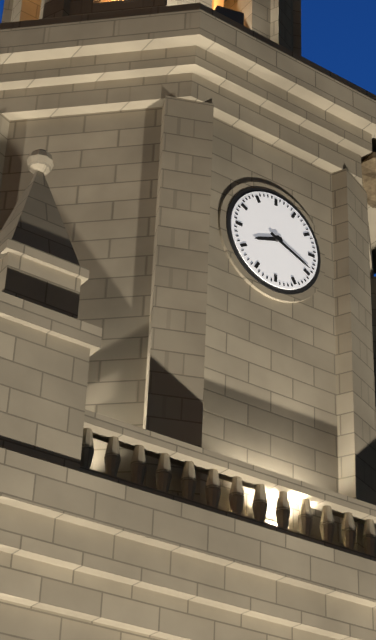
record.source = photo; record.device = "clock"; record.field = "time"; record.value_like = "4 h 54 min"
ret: 8 h 19 min
